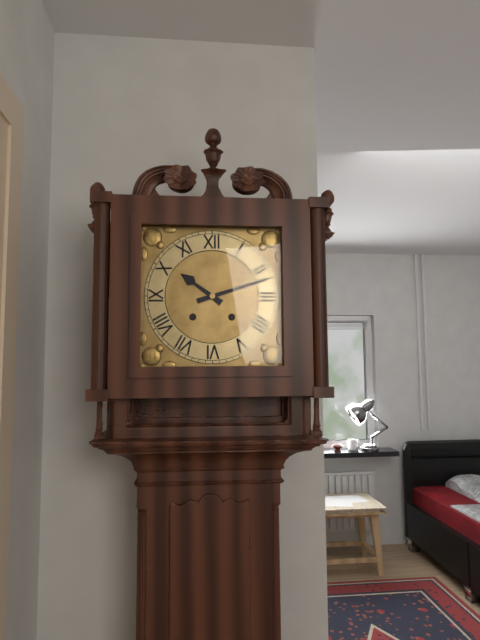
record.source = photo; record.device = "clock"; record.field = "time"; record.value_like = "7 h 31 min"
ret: 10 h 12 min
